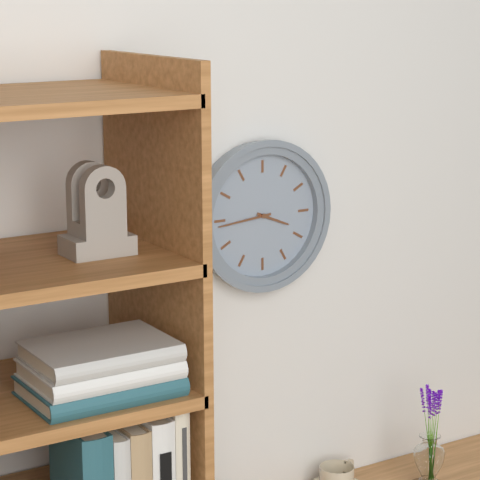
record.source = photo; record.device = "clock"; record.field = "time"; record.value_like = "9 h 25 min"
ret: 3 h 44 min
